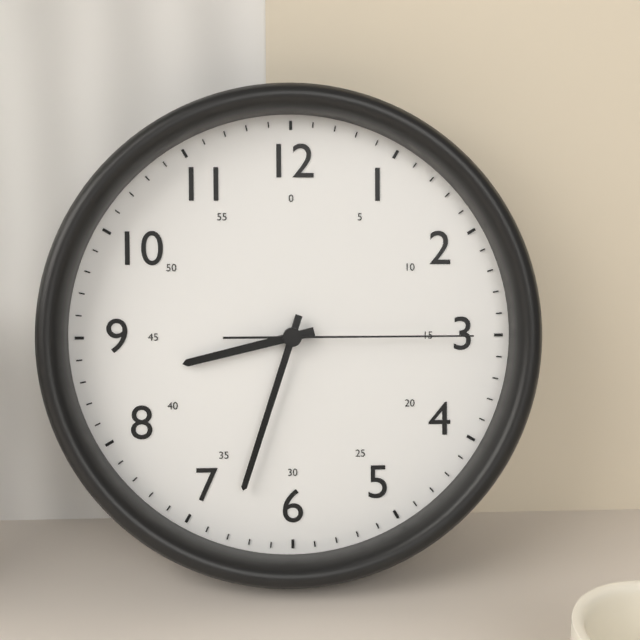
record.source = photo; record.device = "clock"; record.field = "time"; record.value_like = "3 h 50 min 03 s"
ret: 8 h 33 min 15 s
